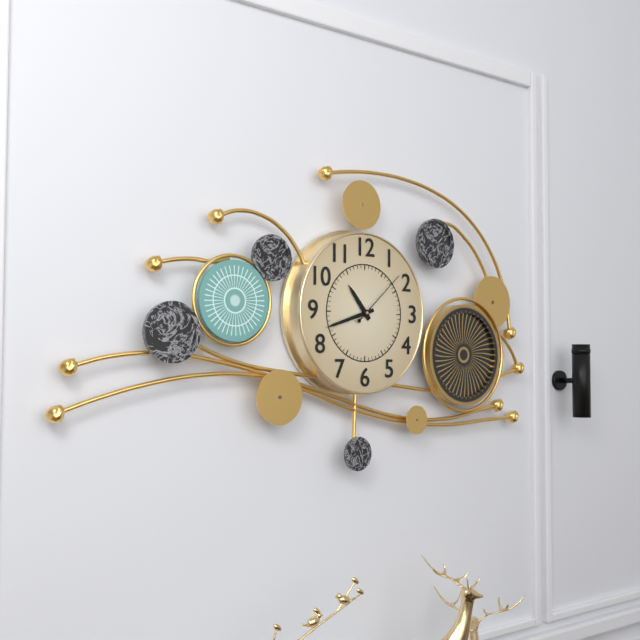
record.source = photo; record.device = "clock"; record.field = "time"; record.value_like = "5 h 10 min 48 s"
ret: 10 h 42 min 08 s
